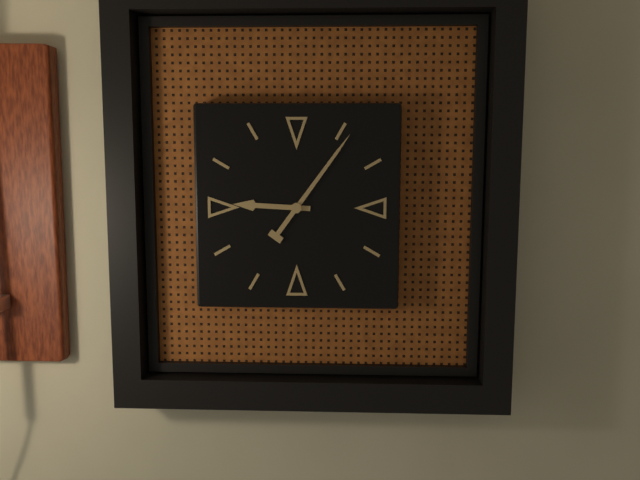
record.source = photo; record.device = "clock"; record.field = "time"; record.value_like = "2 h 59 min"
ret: 9 h 06 min
